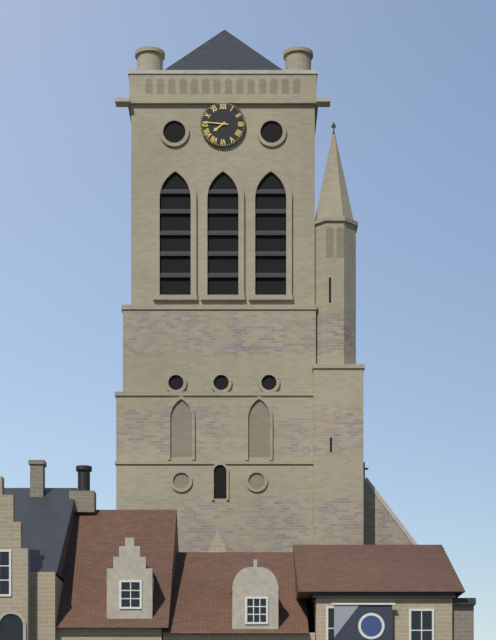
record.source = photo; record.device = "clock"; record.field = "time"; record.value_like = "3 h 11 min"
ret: 7 h 46 min
